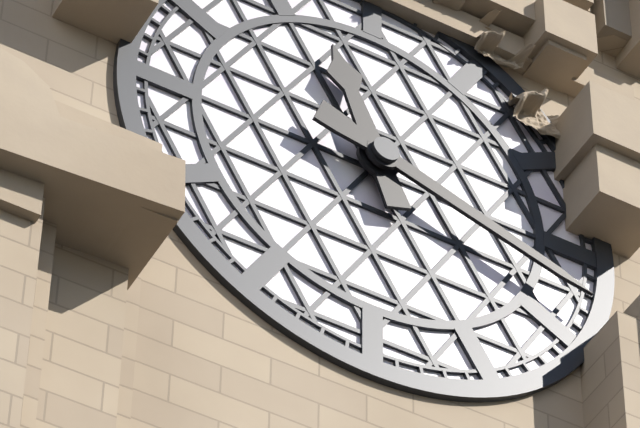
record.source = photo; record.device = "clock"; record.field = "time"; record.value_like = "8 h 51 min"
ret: 11 h 18 min
